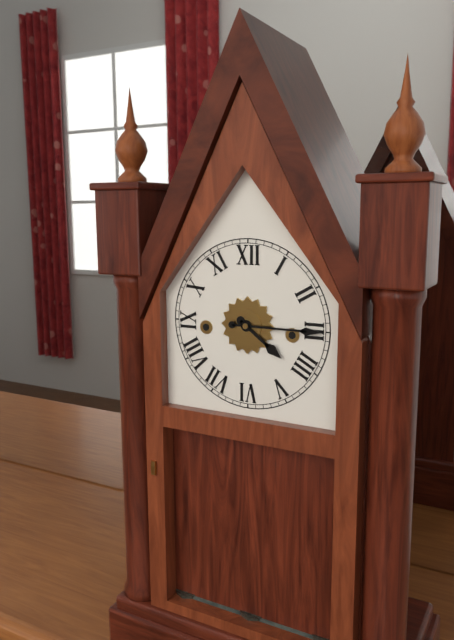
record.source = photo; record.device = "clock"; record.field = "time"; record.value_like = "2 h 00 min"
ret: 4 h 15 min
